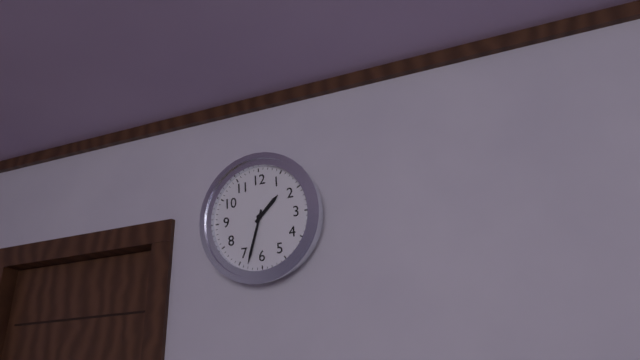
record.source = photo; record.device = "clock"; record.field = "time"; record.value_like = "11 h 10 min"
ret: 1 h 33 min
